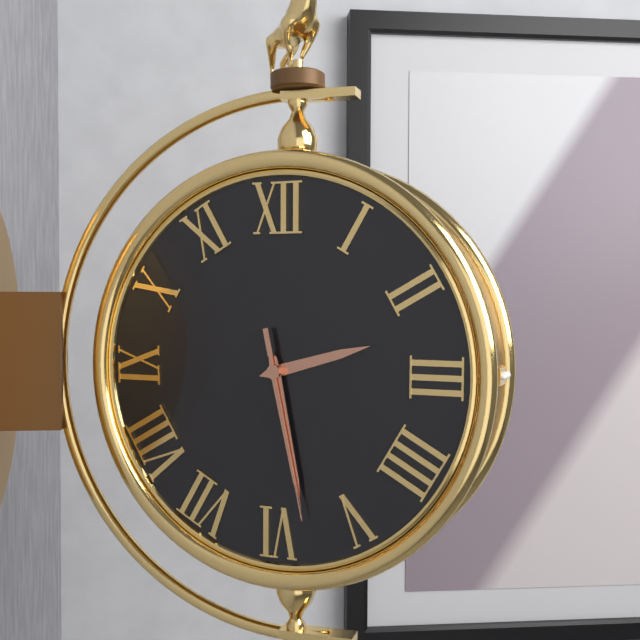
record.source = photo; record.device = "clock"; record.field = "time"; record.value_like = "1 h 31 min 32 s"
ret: 2 h 28 min 28 s
